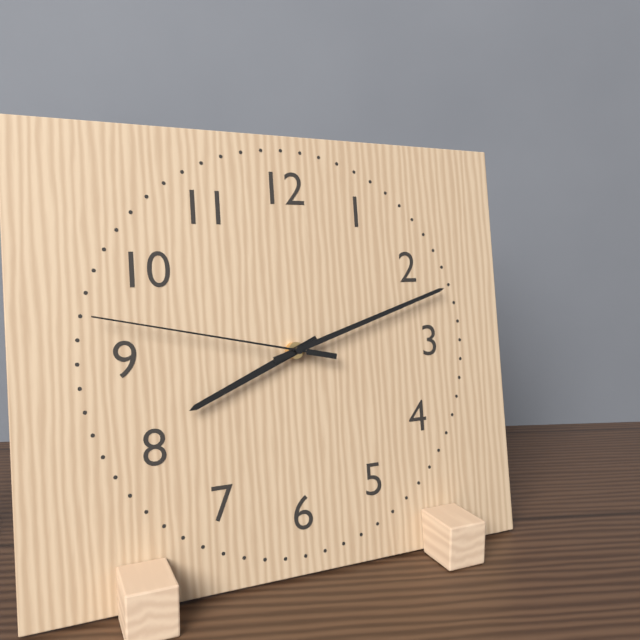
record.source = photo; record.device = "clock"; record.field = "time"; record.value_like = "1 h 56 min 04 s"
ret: 8 h 12 min 47 s
